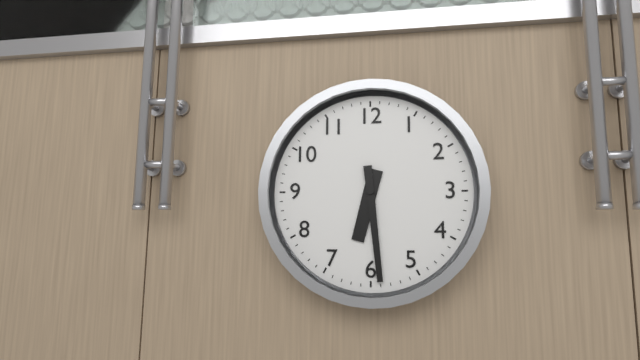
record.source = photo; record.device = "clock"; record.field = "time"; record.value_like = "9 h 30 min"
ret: 6 h 29 min
